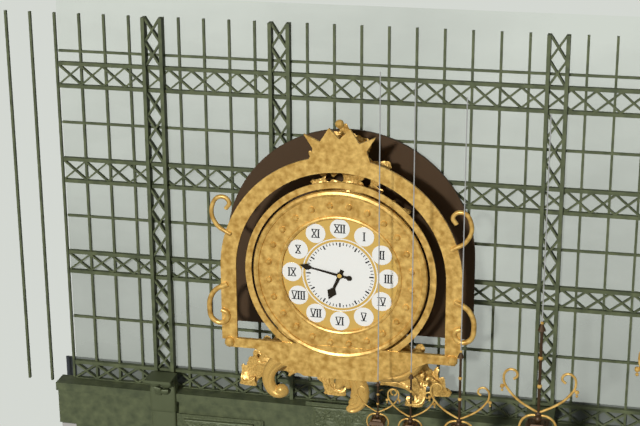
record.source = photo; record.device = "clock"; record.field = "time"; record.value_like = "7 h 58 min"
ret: 6 h 47 min
